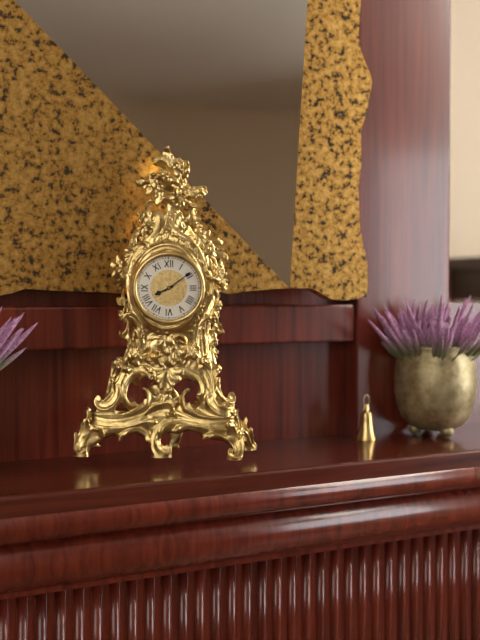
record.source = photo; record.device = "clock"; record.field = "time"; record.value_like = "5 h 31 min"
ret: 8 h 09 min
